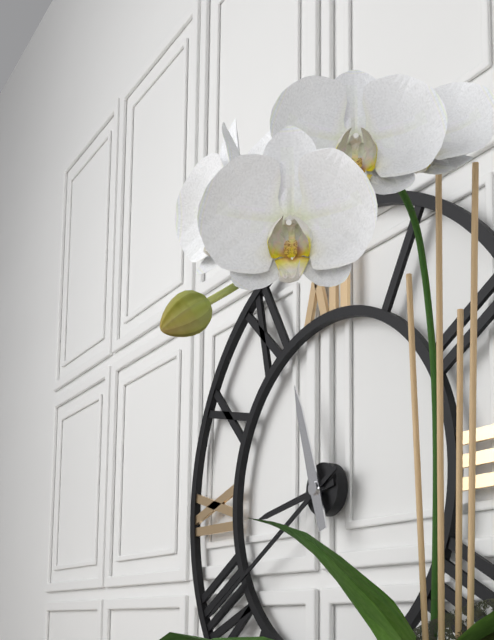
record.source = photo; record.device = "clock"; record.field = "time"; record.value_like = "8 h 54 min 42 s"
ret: 8 h 40 min 57 s
